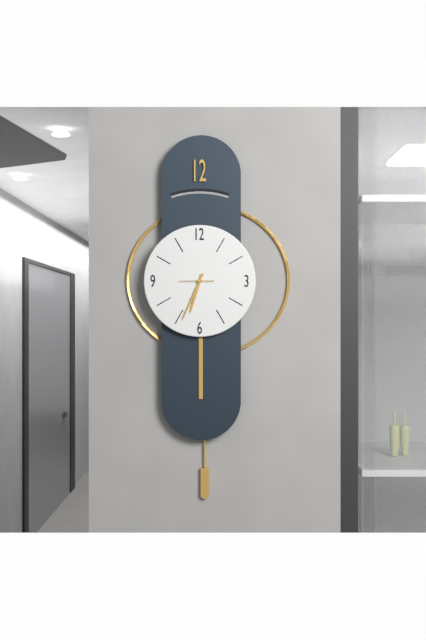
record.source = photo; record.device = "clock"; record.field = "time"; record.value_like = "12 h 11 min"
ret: 6 h 34 min
